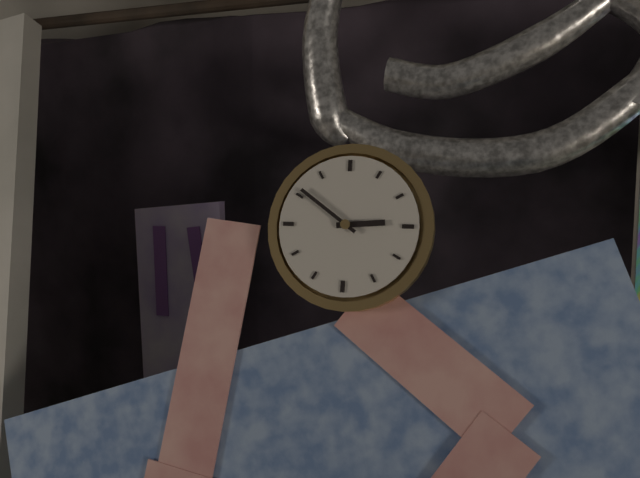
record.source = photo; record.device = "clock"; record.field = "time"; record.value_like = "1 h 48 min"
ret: 2 h 51 min
